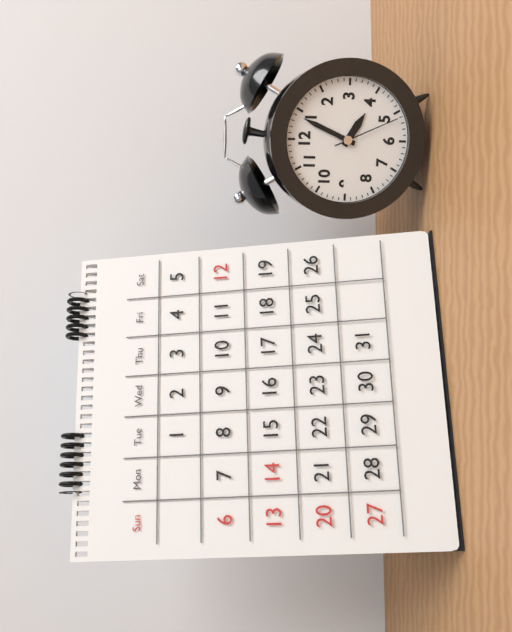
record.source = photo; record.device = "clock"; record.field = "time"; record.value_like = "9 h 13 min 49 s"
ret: 4 h 04 min 26 s
